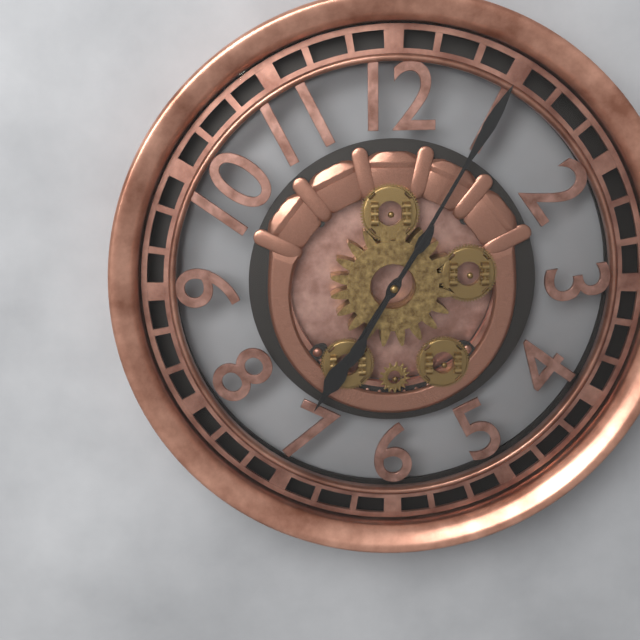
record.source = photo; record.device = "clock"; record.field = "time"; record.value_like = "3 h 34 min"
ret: 7 h 05 min
